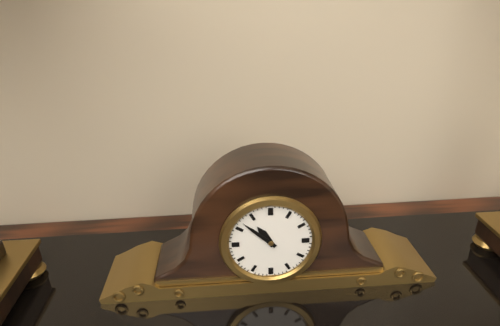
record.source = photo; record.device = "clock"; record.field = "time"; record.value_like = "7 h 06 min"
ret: 10 h 52 min
